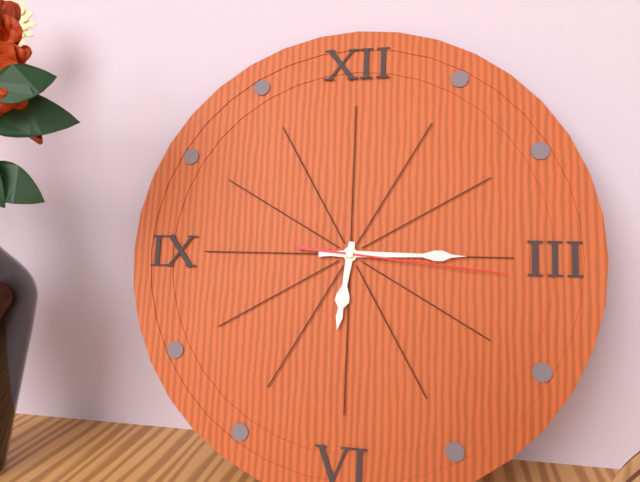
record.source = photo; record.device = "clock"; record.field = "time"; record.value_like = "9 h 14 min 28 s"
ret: 6 h 15 min 16 s
